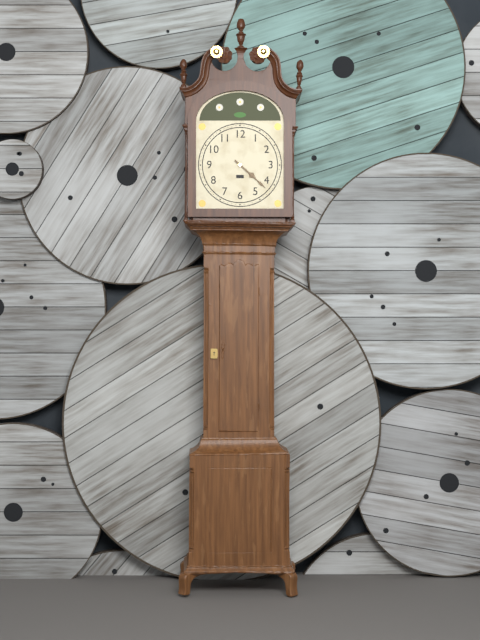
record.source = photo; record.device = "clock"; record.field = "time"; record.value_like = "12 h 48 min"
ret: 4 h 22 min
